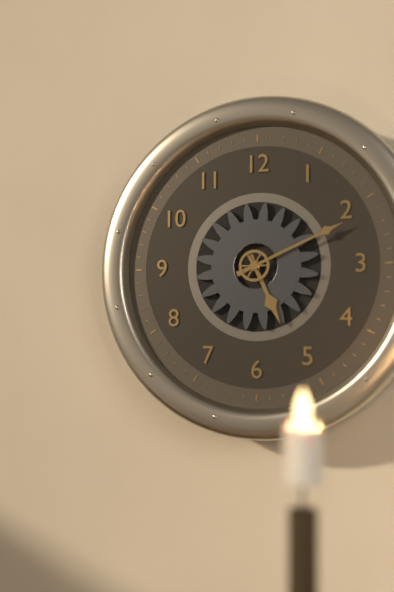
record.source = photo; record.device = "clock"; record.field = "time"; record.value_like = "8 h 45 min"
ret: 5 h 11 min
